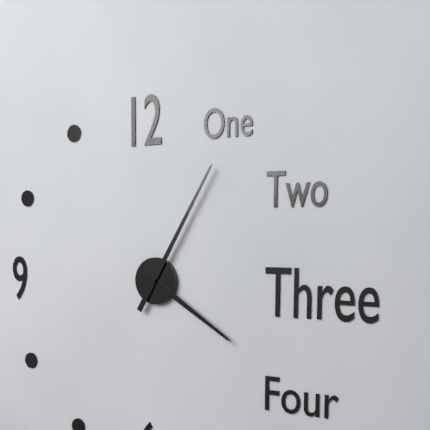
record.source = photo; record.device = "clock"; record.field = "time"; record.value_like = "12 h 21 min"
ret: 4 h 05 min
